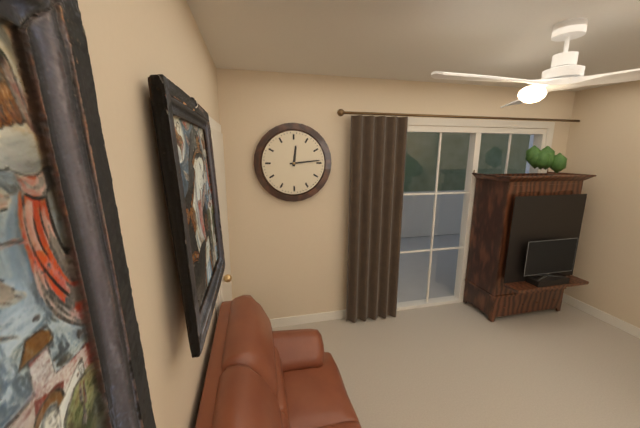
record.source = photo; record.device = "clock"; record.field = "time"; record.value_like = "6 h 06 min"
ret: 12 h 14 min
